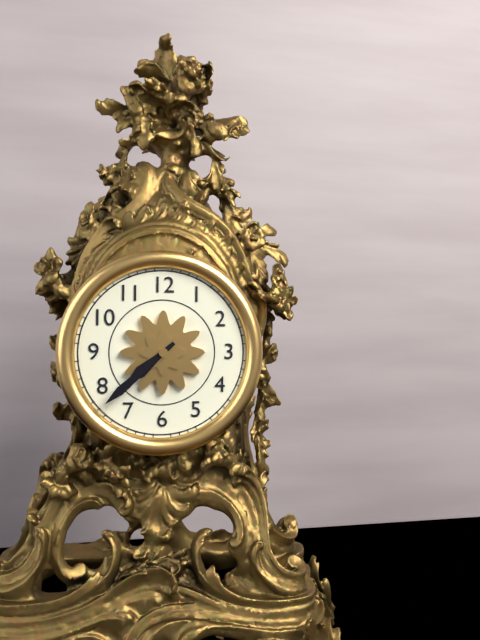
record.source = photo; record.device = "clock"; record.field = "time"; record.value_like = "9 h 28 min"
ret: 7 h 38 min
